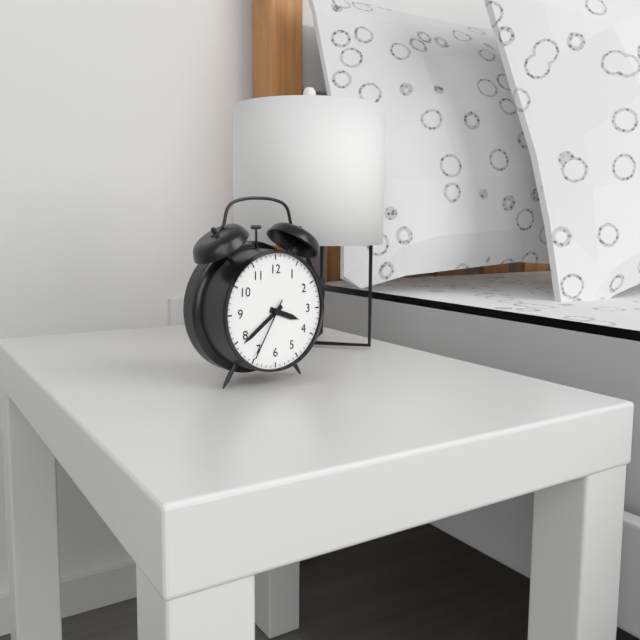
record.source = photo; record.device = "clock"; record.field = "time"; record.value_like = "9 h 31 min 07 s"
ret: 3 h 39 min 35 s
